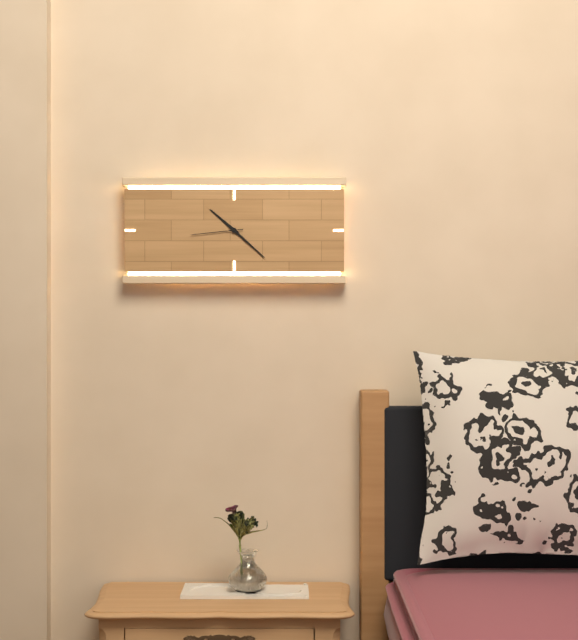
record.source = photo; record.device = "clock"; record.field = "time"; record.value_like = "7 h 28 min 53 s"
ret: 10 h 22 min 44 s
